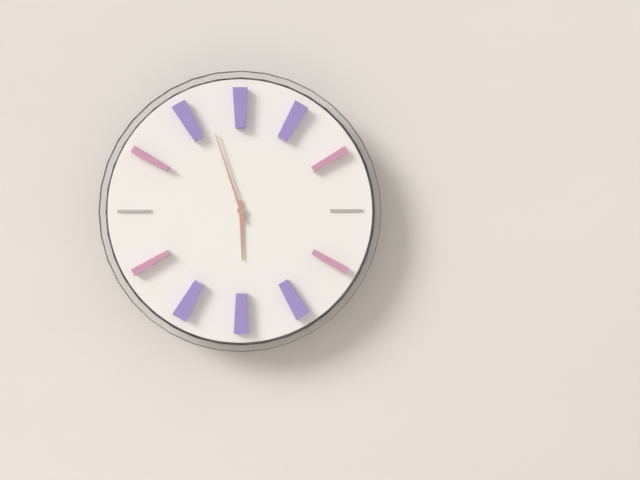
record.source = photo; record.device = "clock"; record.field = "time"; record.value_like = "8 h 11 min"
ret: 5 h 57 min
